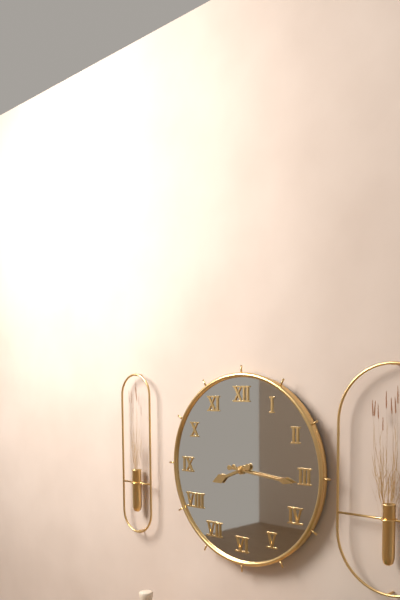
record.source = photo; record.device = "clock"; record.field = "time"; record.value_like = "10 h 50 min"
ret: 8 h 16 min
